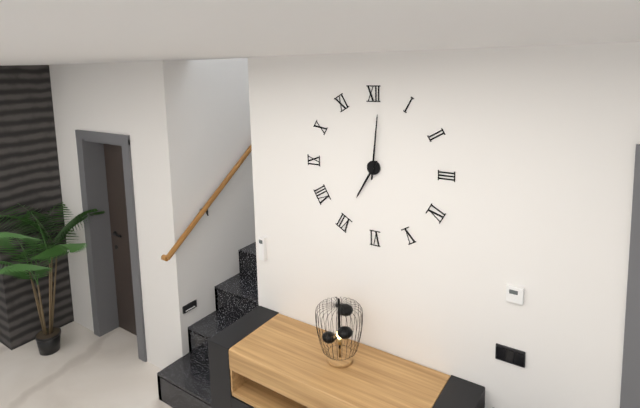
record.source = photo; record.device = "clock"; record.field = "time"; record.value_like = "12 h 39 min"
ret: 7 h 01 min
